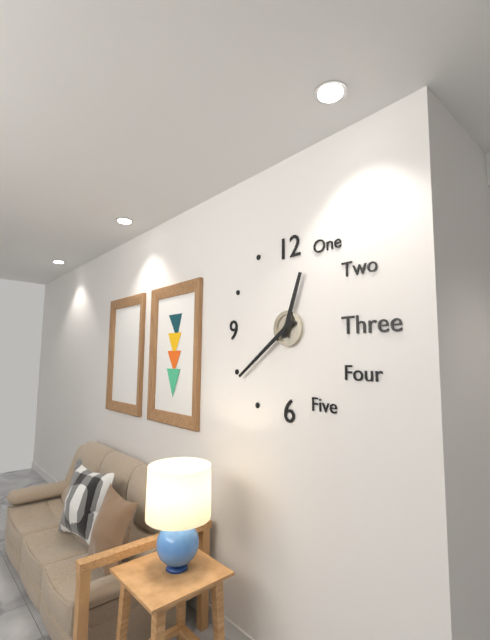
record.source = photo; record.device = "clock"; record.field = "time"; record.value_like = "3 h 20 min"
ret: 12 h 39 min
